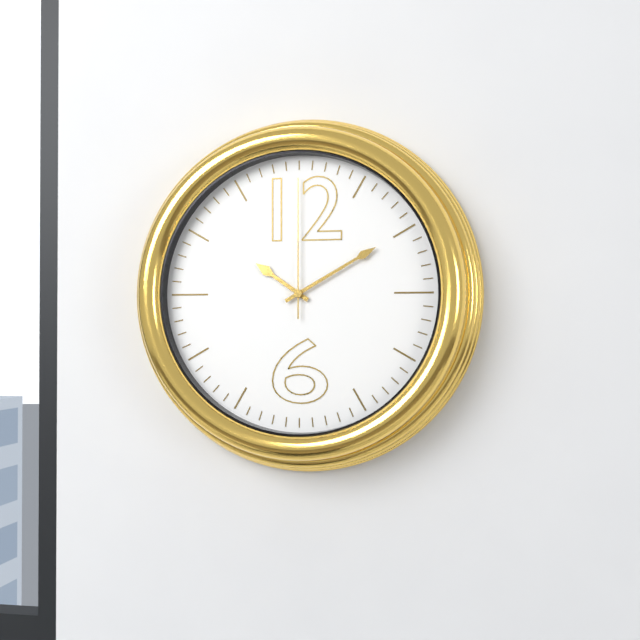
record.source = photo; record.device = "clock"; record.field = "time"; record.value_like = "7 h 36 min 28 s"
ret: 10 h 10 min 00 s
